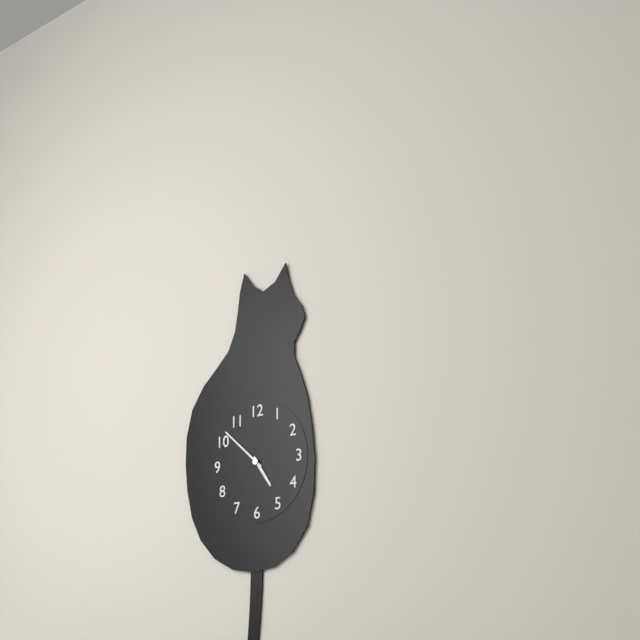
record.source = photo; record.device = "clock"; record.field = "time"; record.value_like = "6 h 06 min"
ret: 4 h 52 min
